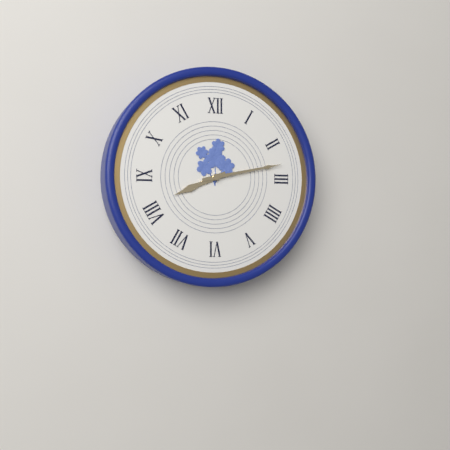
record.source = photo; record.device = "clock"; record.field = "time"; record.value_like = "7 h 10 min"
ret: 8 h 13 min
